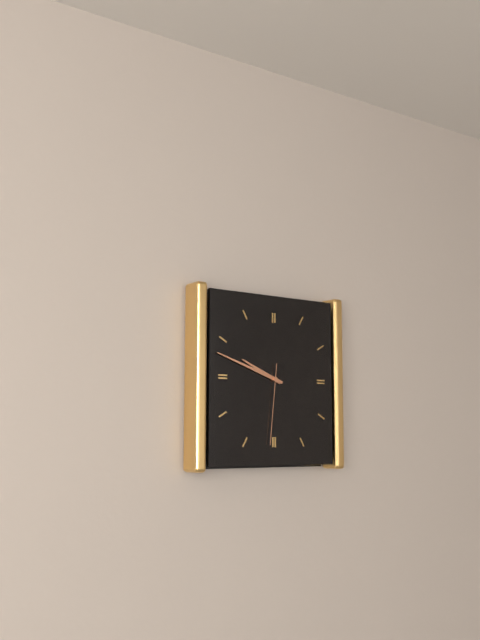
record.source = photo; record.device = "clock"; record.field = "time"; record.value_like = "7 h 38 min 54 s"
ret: 9 h 48 min 31 s
